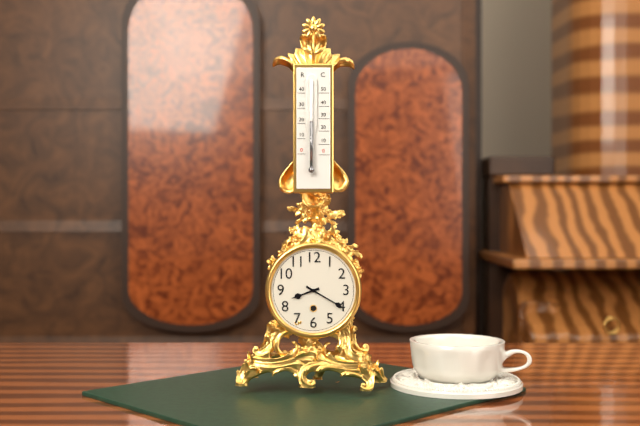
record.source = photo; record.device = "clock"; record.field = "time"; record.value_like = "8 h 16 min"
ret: 8 h 20 min
